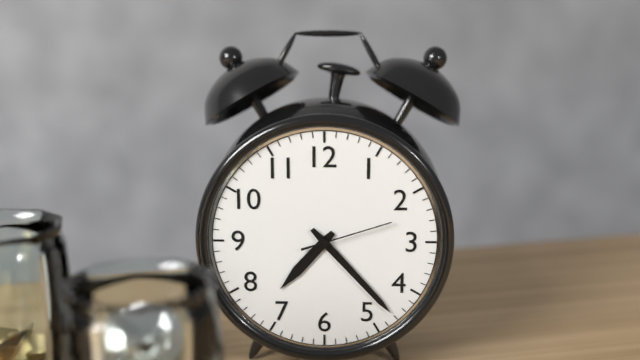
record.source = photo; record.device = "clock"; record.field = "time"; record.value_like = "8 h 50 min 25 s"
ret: 7 h 23 min 12 s
